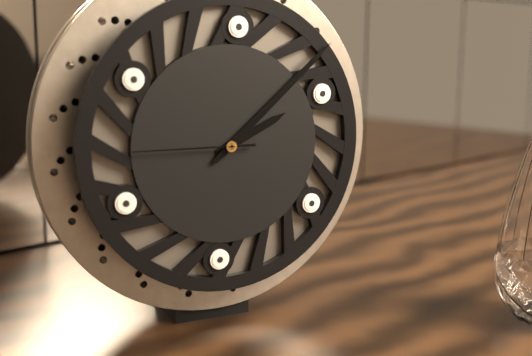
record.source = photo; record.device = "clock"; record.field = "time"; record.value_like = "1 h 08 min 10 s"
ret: 2 h 08 min 45 s
